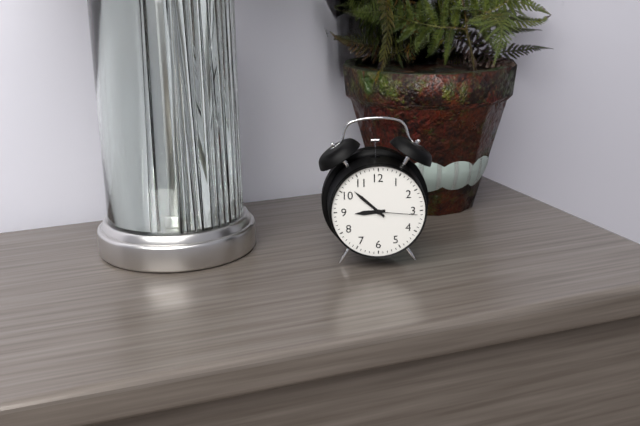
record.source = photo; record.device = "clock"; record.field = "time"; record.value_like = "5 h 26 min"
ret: 8 h 52 min
